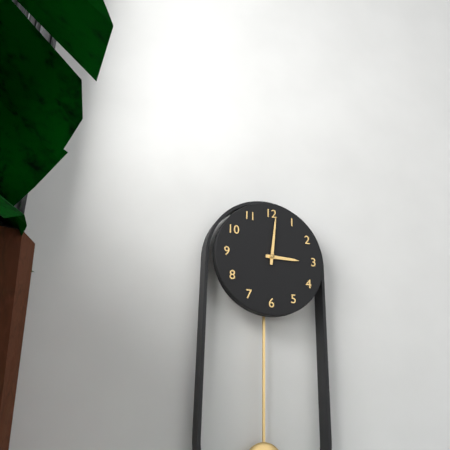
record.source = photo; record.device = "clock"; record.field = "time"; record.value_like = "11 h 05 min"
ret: 3 h 01 min
